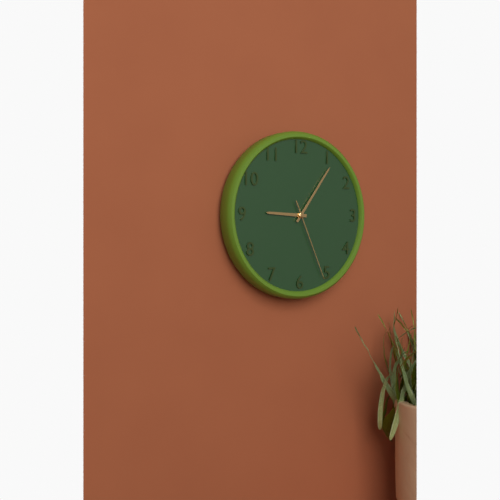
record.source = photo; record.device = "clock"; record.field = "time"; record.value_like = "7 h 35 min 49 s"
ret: 9 h 06 min 26 s
